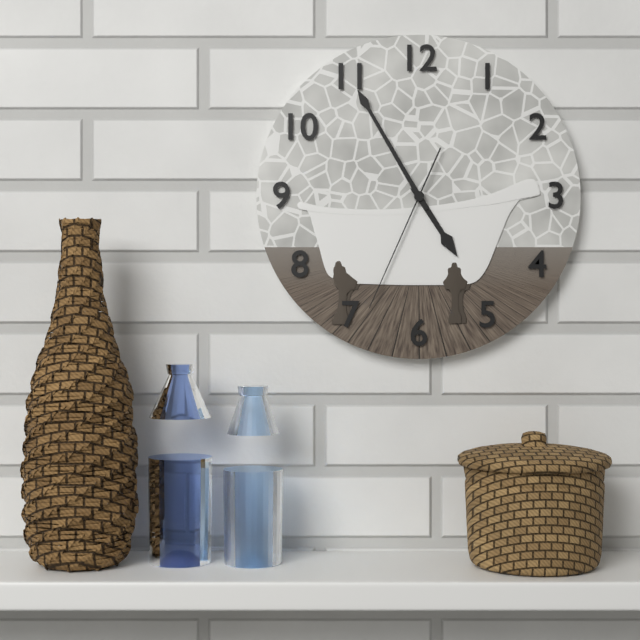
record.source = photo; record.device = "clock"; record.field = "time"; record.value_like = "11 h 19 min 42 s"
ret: 4 h 55 min 34 s
